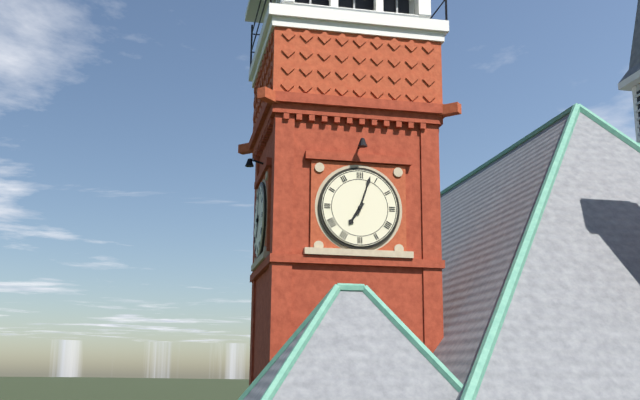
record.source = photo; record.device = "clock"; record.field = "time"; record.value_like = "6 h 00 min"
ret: 7 h 03 min
